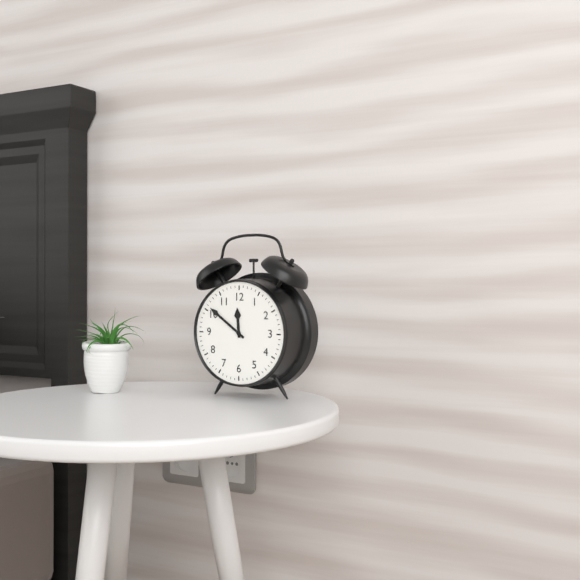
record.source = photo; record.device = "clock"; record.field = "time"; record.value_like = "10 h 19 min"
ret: 11 h 51 min
